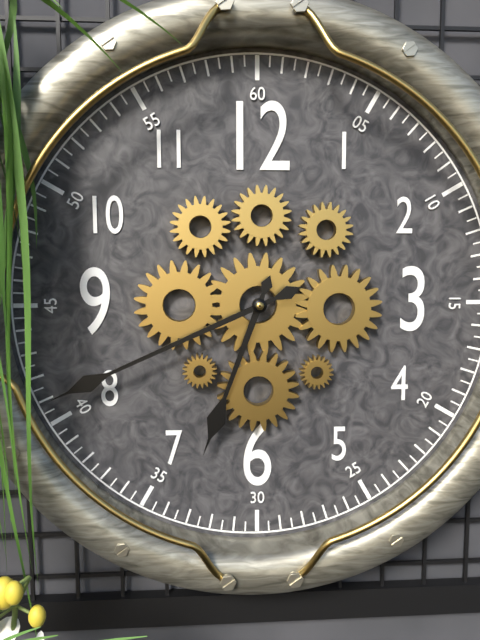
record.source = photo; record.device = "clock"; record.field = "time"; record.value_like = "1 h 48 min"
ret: 6 h 41 min
